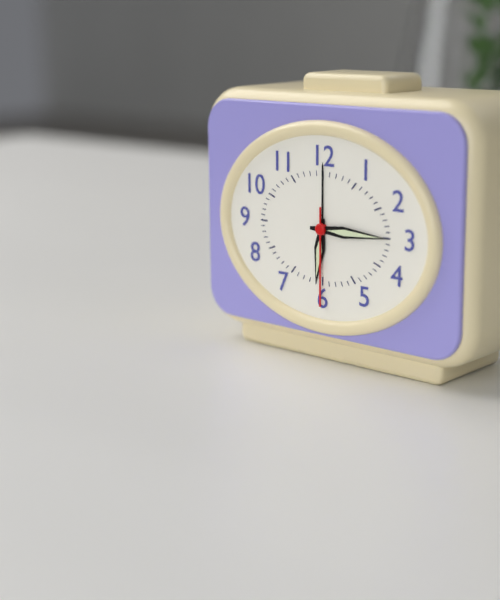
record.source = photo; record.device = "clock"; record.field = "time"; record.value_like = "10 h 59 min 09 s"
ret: 6 h 15 min 30 s
